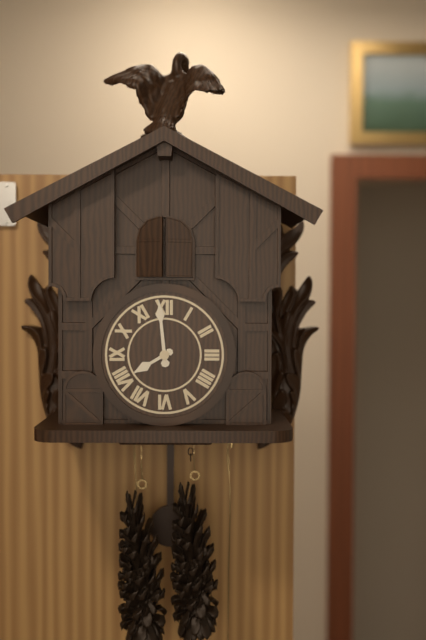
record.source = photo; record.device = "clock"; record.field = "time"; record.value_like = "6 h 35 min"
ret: 7 h 59 min
